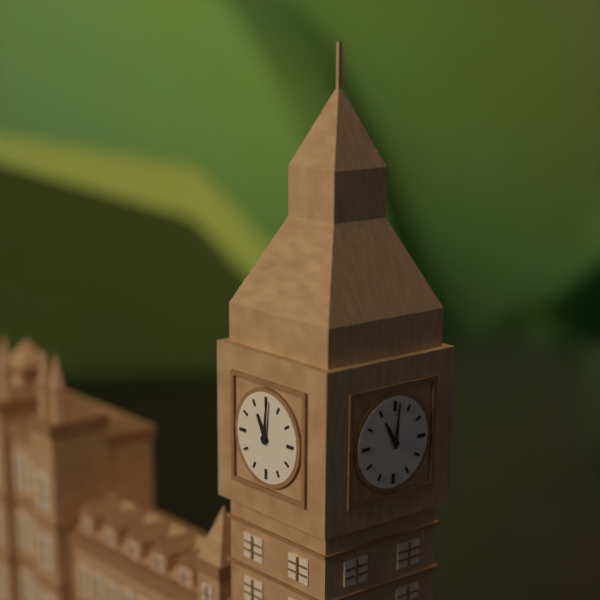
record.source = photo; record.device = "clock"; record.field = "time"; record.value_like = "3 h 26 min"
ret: 11 h 01 min
